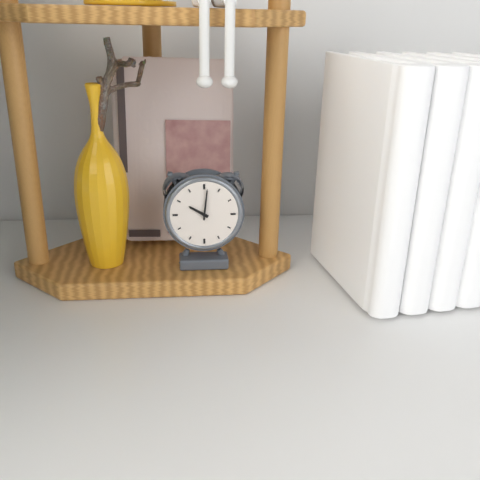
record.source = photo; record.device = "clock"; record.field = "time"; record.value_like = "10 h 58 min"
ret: 10 h 01 min
